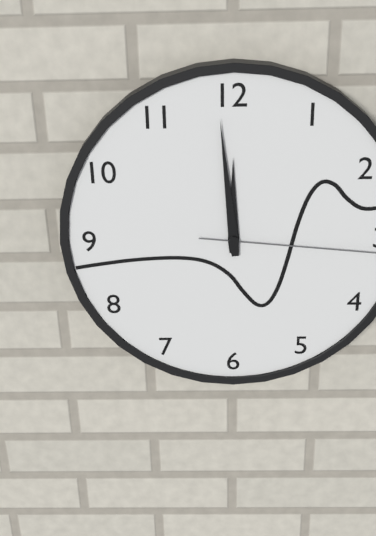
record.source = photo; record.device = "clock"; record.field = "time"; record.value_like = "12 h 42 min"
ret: 11 h 59 min
